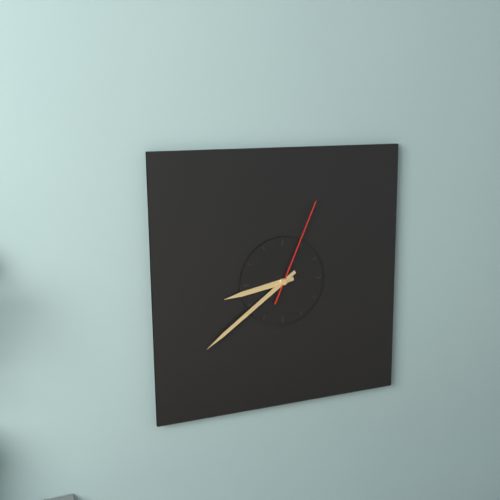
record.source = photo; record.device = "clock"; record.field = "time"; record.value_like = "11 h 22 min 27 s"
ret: 8 h 39 min 04 s
